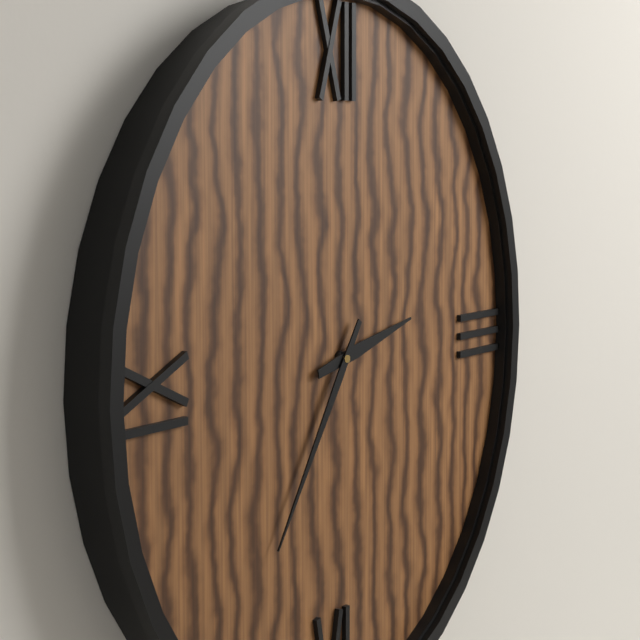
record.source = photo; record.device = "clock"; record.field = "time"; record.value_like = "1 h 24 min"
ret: 2 h 36 min
